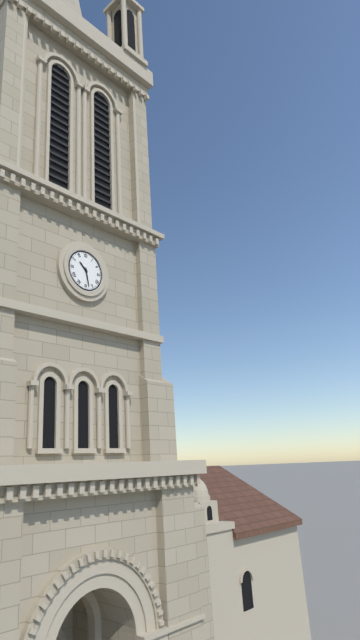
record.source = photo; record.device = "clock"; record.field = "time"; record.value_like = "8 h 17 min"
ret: 10 h 28 min
